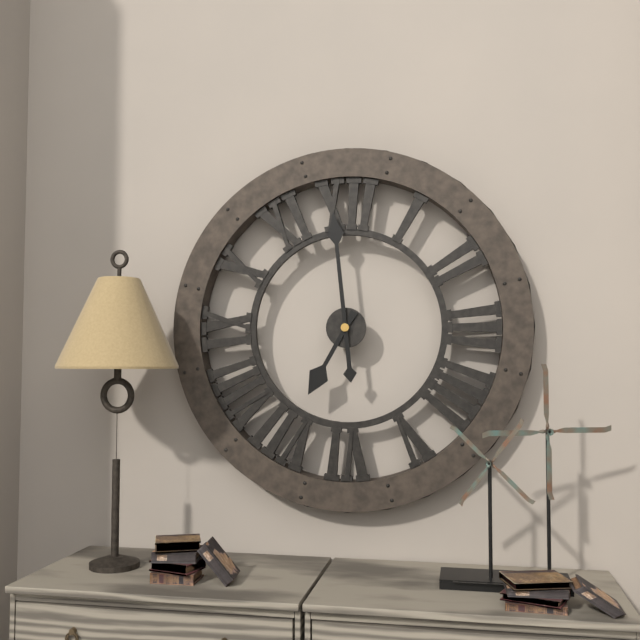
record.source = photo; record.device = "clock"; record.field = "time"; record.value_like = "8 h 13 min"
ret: 6 h 59 min
